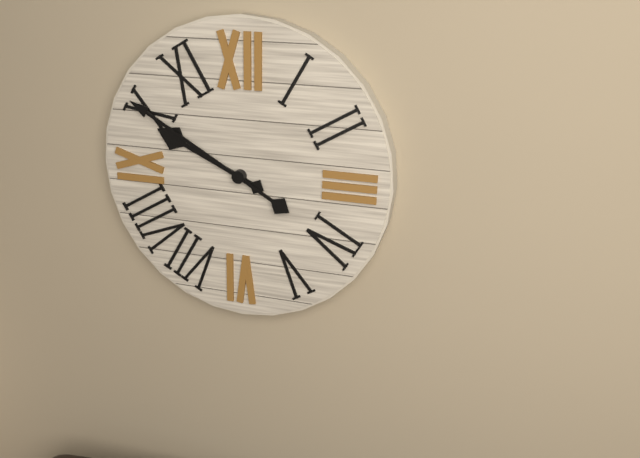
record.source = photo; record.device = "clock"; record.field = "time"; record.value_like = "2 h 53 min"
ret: 9 h 50 min
